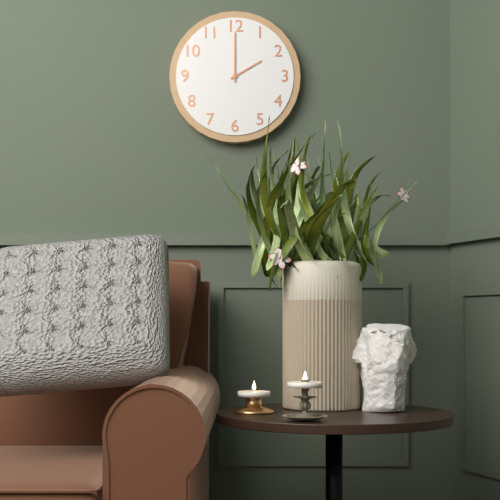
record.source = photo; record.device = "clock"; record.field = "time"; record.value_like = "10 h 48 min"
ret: 2 h 00 min
